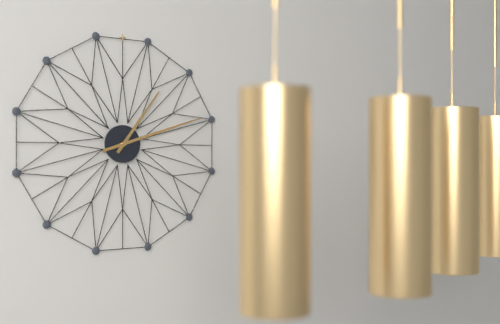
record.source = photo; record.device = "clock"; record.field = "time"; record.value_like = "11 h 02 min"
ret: 1 h 12 min
